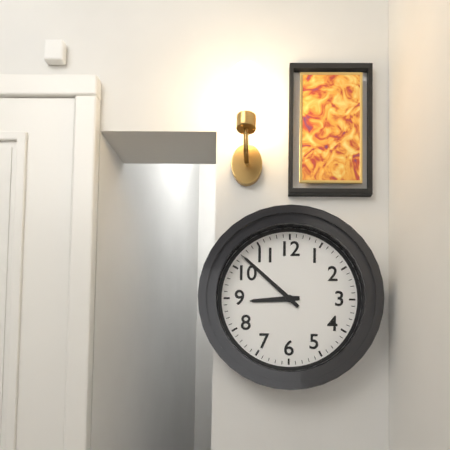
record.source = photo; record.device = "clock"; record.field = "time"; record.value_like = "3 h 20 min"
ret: 8 h 52 min
